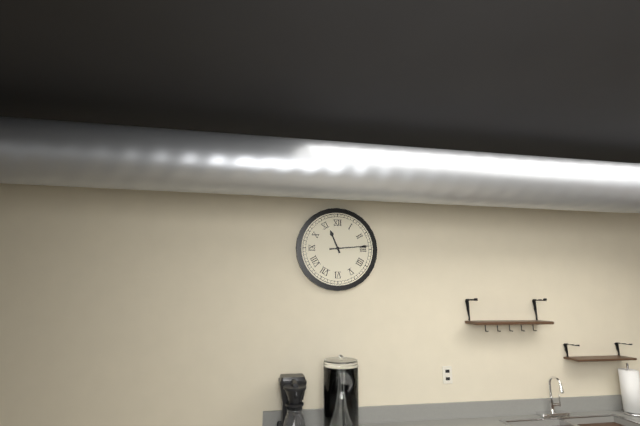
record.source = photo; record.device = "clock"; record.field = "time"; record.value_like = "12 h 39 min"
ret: 11 h 14 min
